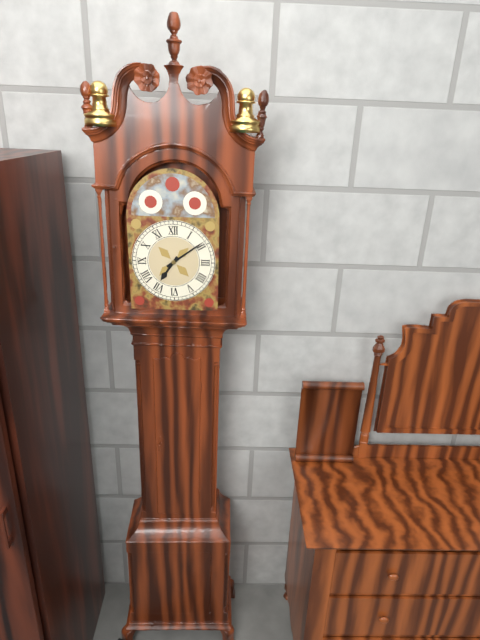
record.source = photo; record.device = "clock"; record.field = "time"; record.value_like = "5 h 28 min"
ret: 7 h 09 min
